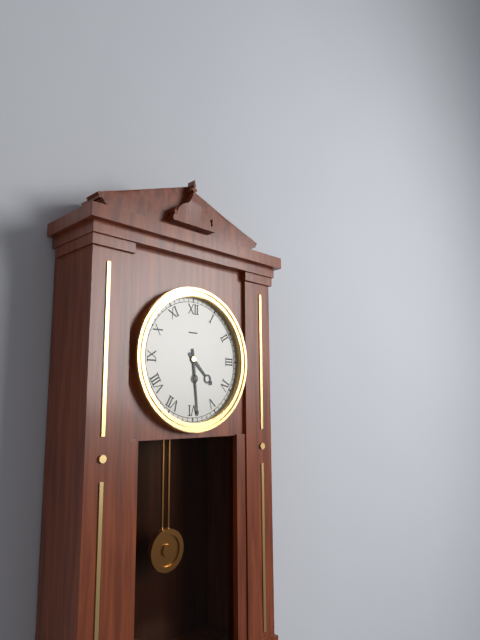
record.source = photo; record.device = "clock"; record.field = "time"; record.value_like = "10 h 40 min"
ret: 4 h 29 min
